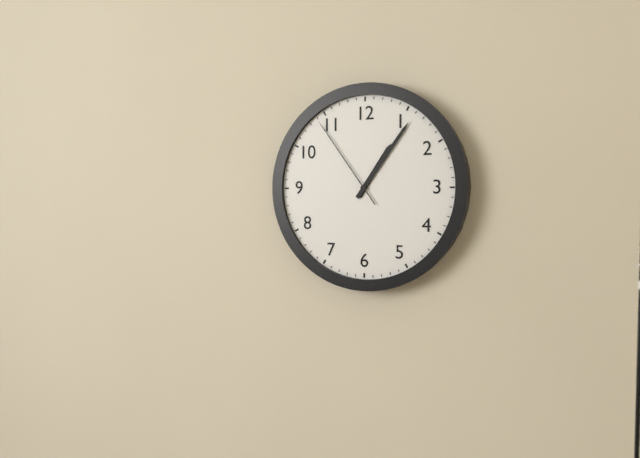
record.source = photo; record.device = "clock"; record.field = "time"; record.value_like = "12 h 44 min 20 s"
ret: 1 h 06 min 54 s
